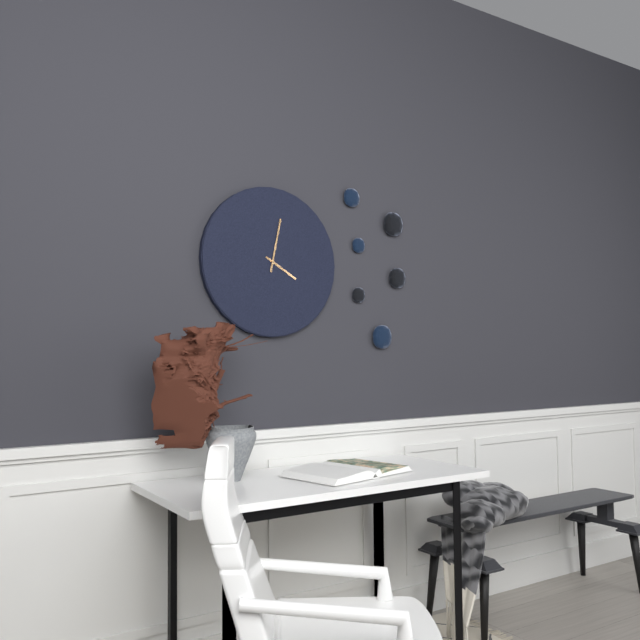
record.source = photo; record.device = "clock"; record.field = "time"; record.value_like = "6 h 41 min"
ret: 4 h 02 min
